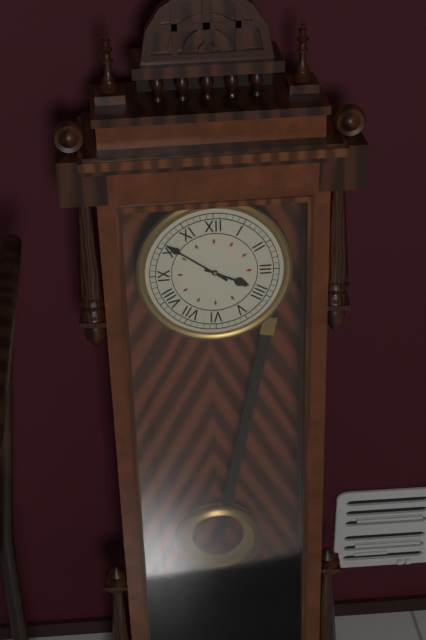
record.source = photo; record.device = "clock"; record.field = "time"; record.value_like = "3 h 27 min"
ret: 3 h 51 min
